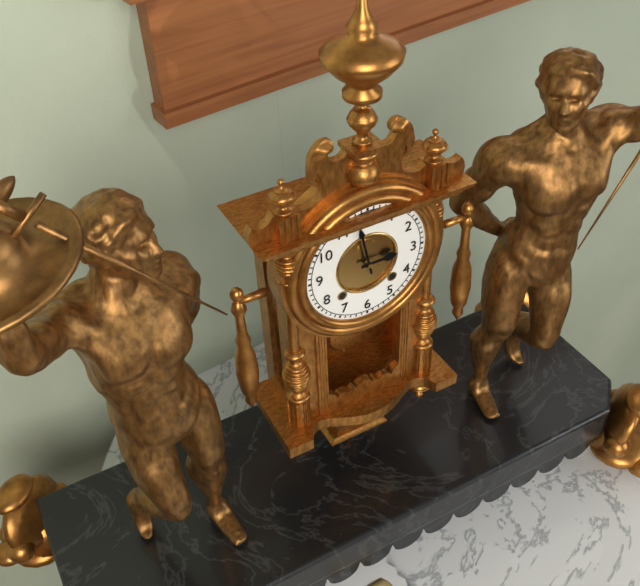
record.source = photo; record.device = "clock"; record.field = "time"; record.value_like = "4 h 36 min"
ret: 2 h 58 min
